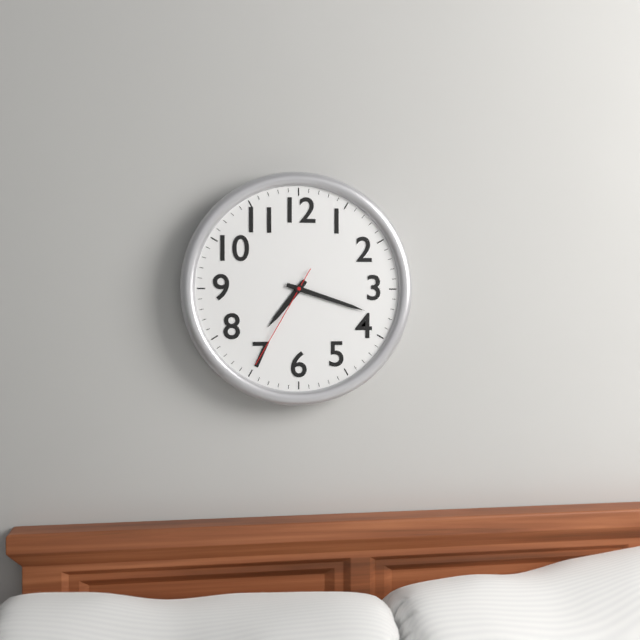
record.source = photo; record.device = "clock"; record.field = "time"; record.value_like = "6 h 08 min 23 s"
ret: 7 h 18 min 35 s
